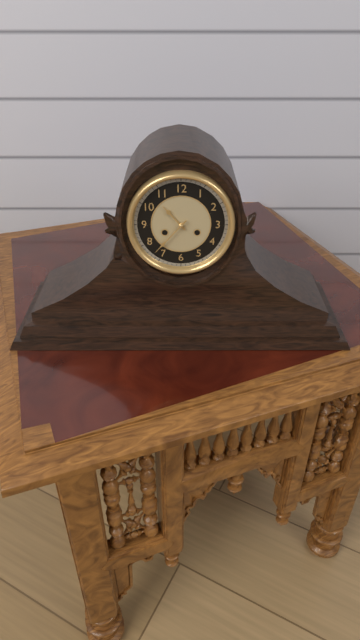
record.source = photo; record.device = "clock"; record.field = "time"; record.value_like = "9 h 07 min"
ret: 10 h 37 min
